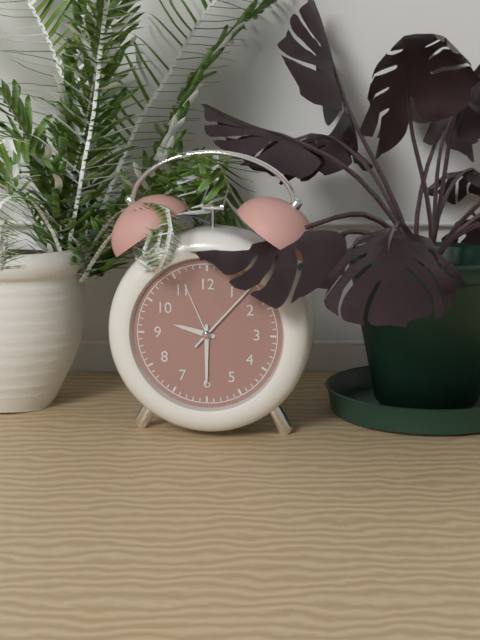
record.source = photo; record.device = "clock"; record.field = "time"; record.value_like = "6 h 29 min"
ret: 9 h 30 min
